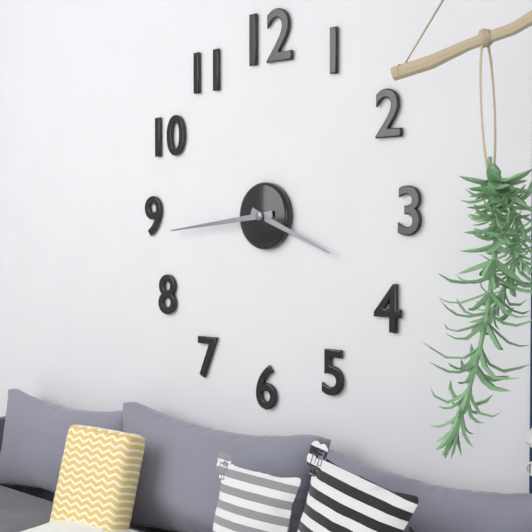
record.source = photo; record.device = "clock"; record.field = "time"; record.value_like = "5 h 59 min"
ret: 3 h 44 min
